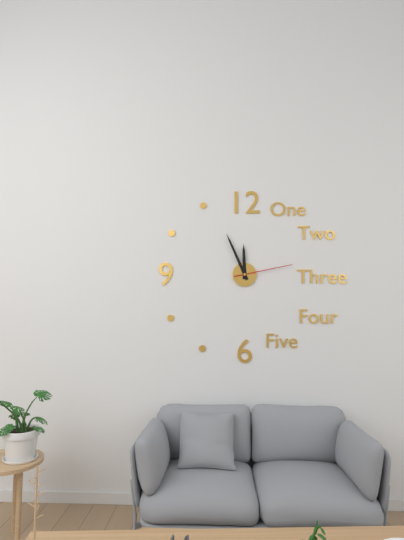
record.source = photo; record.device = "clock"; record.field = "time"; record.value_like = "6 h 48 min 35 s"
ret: 11 h 56 min 13 s
